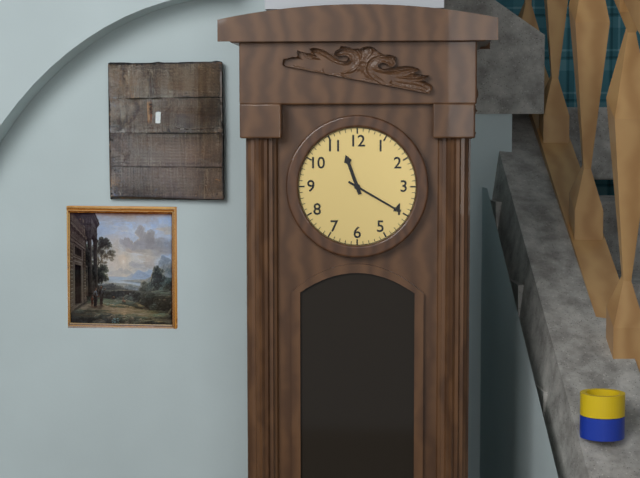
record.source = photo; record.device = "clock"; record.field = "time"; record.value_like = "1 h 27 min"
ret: 11 h 20 min
